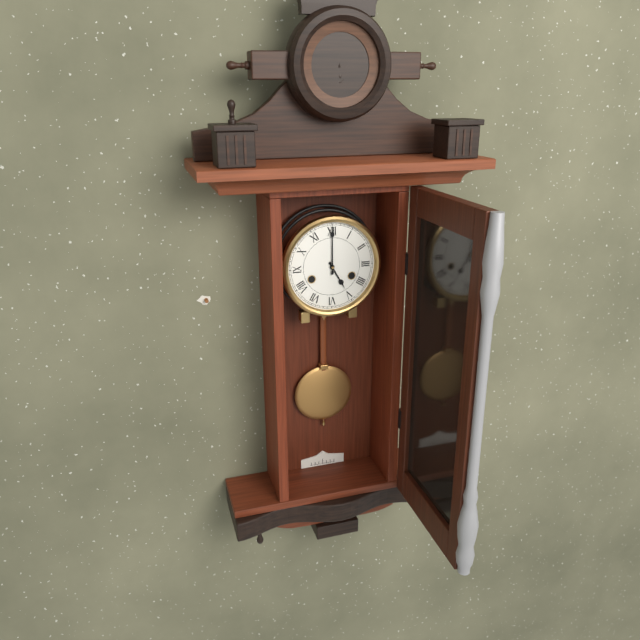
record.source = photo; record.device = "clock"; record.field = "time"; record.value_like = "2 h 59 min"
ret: 5 h 00 min
